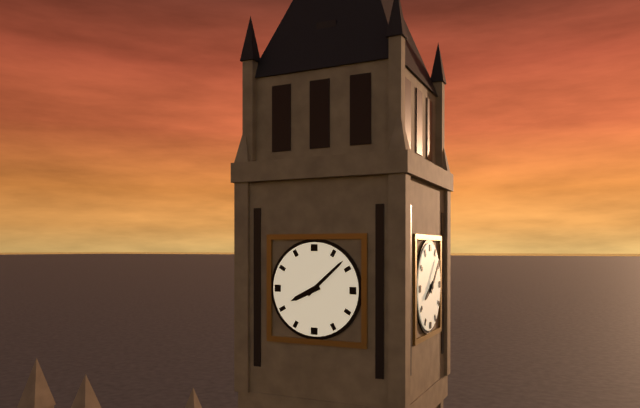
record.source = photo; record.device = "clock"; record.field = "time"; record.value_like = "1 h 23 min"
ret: 8 h 08 min
